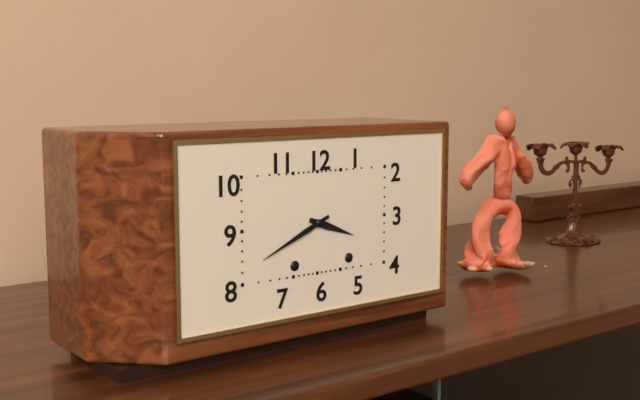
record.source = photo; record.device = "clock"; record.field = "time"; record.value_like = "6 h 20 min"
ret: 3 h 41 min
